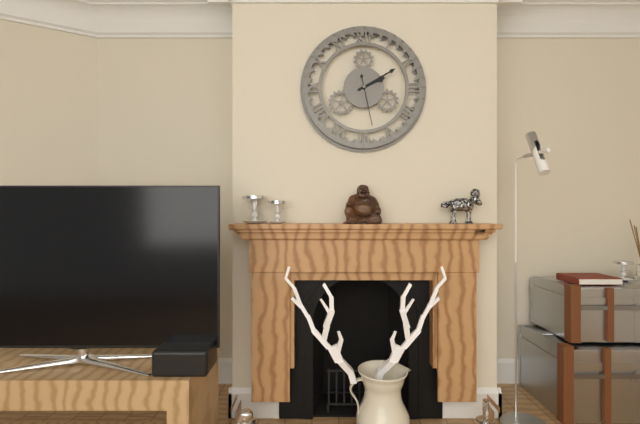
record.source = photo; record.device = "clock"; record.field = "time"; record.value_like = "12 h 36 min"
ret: 2 h 10 min
